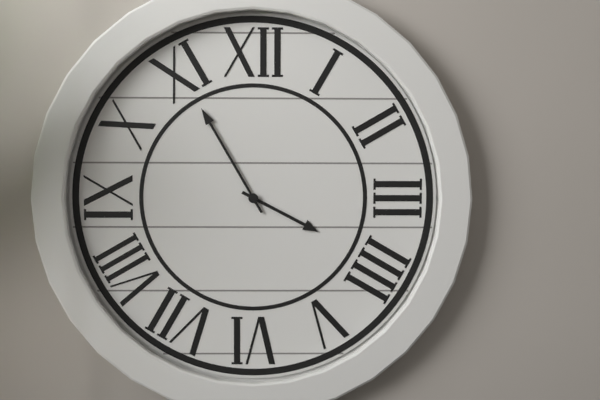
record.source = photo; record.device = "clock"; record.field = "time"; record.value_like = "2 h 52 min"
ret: 3 h 55 min
